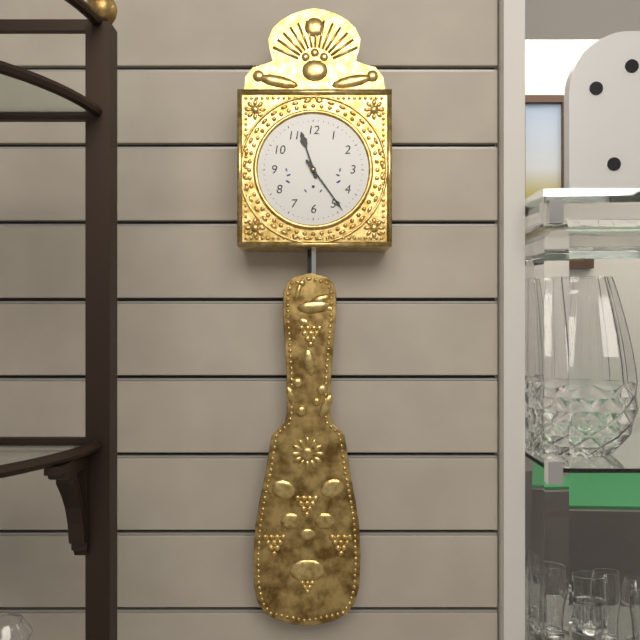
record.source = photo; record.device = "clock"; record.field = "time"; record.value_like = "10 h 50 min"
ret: 11 h 24 min
